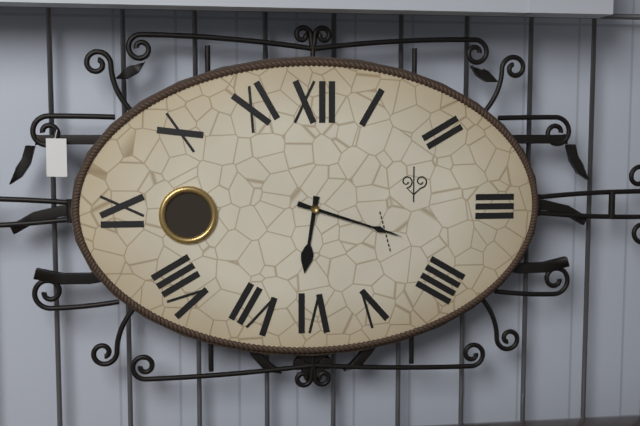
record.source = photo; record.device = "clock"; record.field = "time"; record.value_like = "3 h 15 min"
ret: 6 h 18 min
